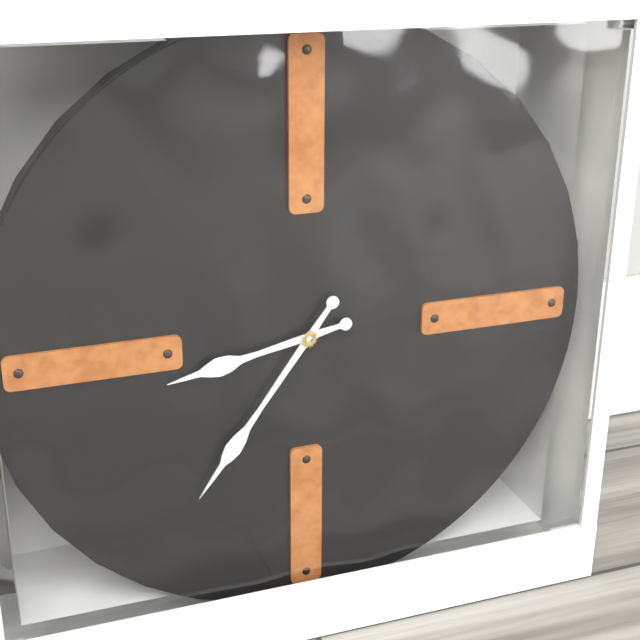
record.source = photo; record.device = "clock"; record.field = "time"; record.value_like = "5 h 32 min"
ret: 8 h 36 min
